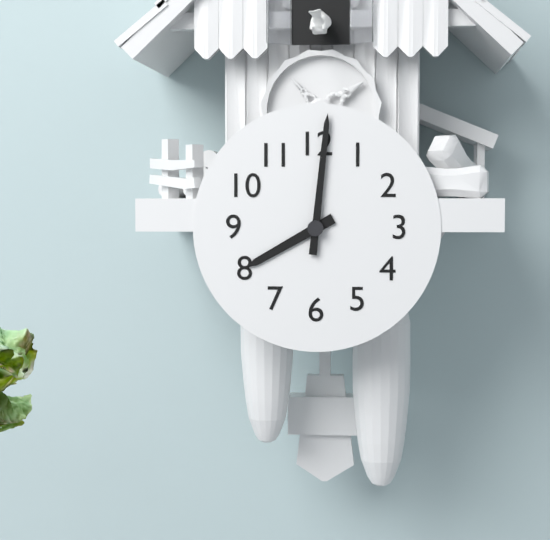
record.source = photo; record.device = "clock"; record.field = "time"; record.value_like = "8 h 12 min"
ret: 8 h 01 min
